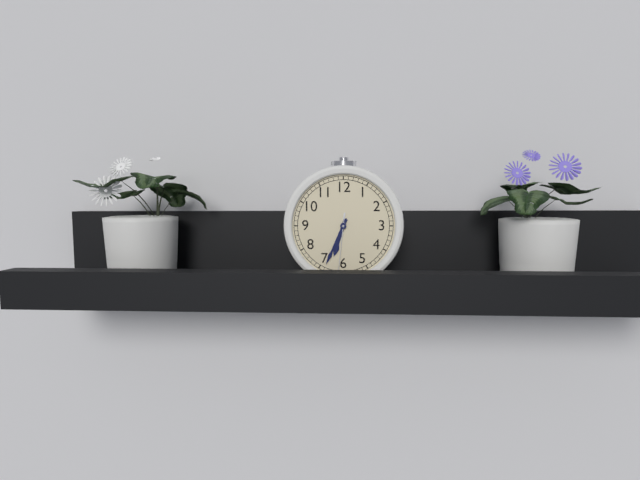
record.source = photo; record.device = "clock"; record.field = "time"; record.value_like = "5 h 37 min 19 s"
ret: 6 h 34 min 31 s
